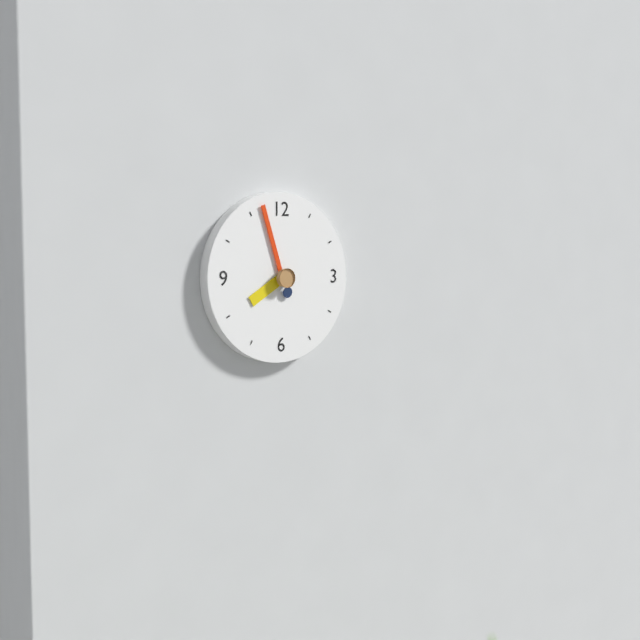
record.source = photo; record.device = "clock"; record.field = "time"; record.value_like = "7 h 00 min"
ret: 7 h 57 min
